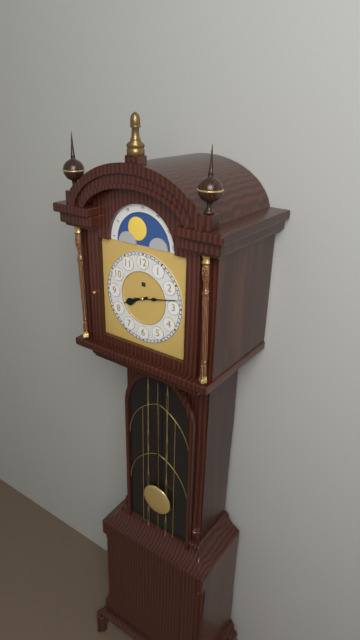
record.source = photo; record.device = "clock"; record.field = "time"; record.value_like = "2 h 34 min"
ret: 8 h 13 min
